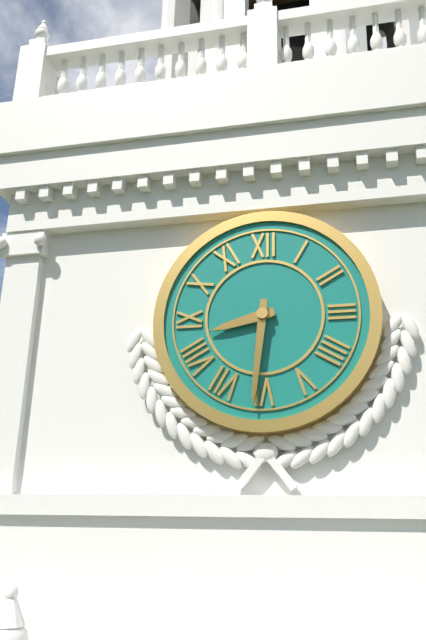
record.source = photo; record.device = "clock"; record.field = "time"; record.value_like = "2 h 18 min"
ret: 8 h 31 min
